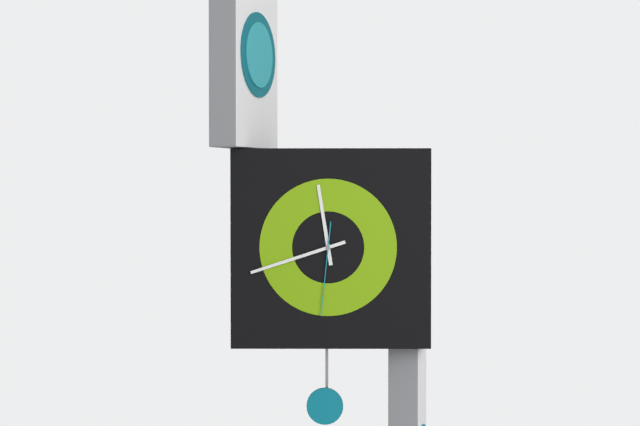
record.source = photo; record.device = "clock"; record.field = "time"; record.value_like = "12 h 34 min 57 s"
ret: 11 h 42 min 31 s
